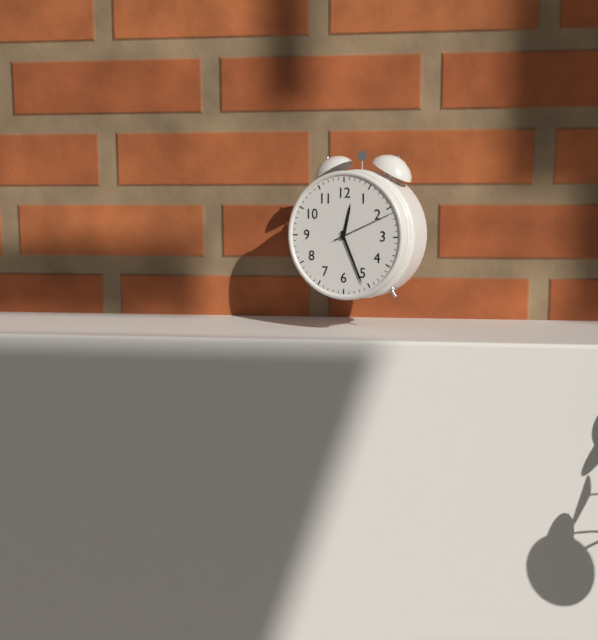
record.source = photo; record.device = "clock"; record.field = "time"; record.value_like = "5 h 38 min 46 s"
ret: 12 h 26 min 11 s
